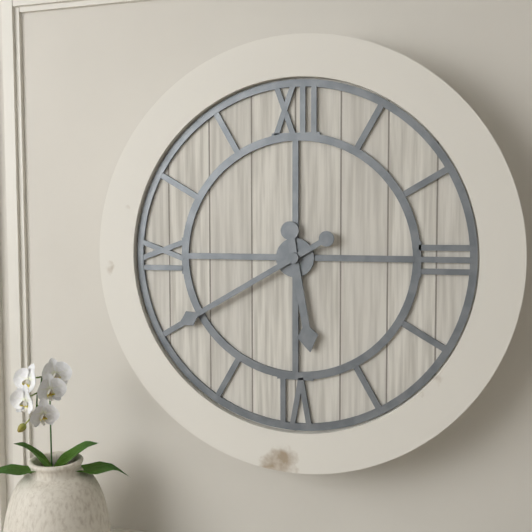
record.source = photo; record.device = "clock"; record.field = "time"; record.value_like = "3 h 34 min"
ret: 5 h 40 min
